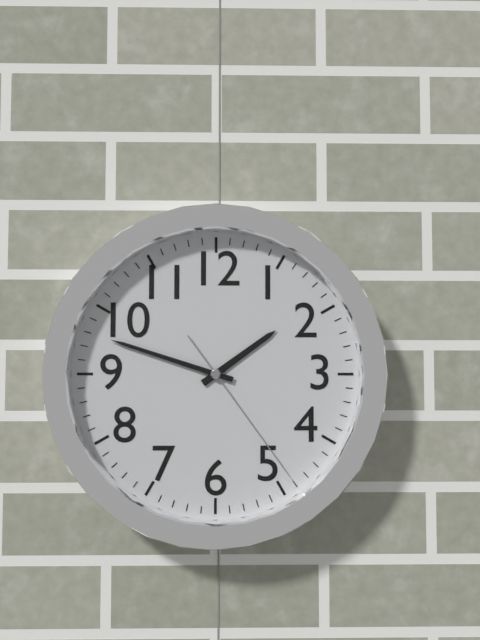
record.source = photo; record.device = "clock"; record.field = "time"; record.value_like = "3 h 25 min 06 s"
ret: 1 h 48 min 24 s
